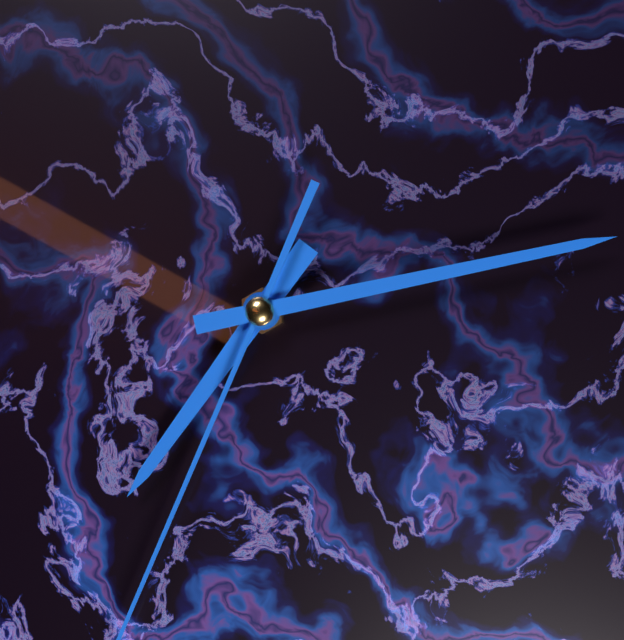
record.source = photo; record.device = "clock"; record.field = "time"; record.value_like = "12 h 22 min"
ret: 7 h 13 min
